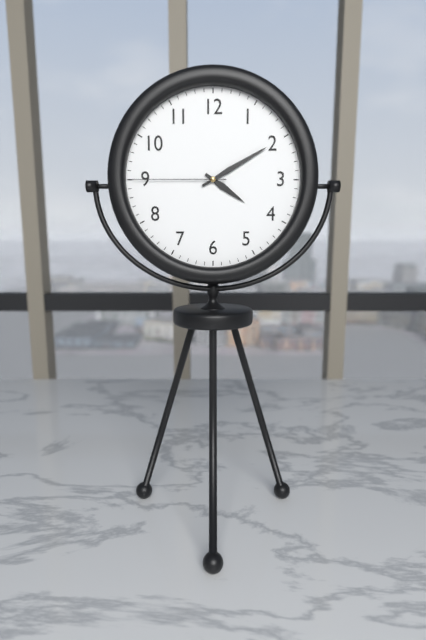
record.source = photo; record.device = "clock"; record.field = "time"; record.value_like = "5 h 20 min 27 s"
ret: 4 h 10 min 45 s
